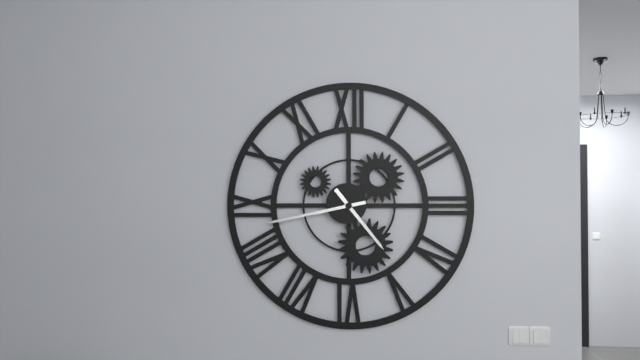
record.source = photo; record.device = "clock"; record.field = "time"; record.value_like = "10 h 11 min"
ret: 4 h 43 min
